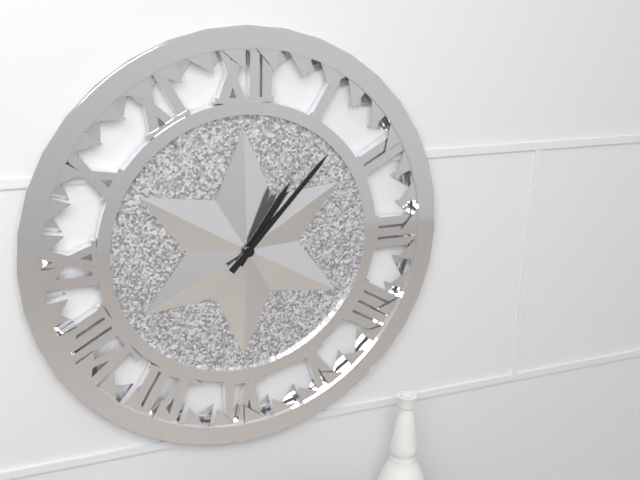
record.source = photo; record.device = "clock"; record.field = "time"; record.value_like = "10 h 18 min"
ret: 1 h 07 min
